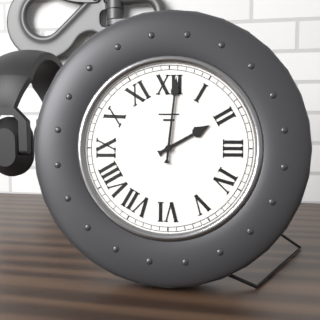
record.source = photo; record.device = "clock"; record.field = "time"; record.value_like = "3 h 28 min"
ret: 2 h 01 min
